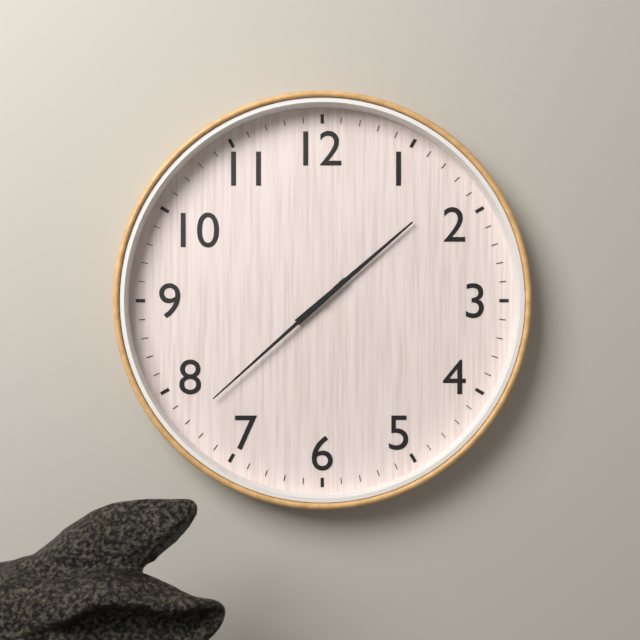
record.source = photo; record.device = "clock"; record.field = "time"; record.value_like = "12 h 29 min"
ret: 1 h 38 min
